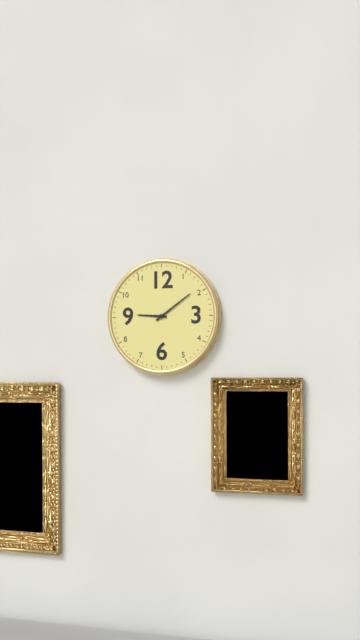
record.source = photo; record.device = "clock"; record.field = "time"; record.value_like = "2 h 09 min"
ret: 9 h 09 min
